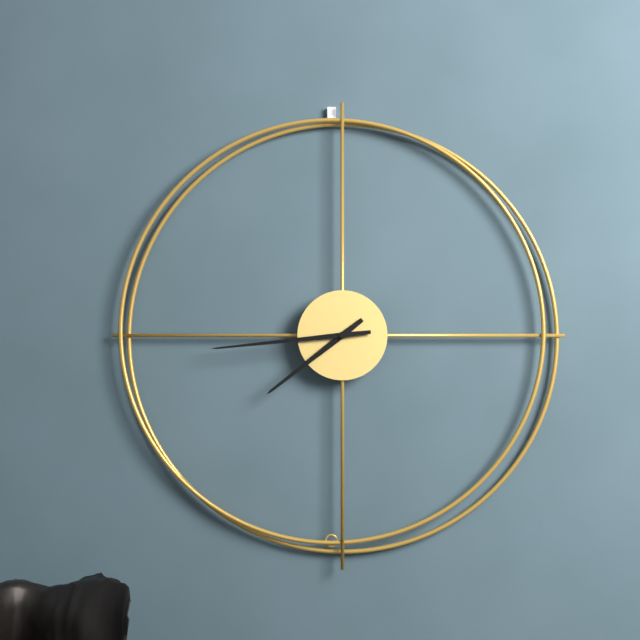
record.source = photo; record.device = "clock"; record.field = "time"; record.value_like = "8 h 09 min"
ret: 7 h 44 min
